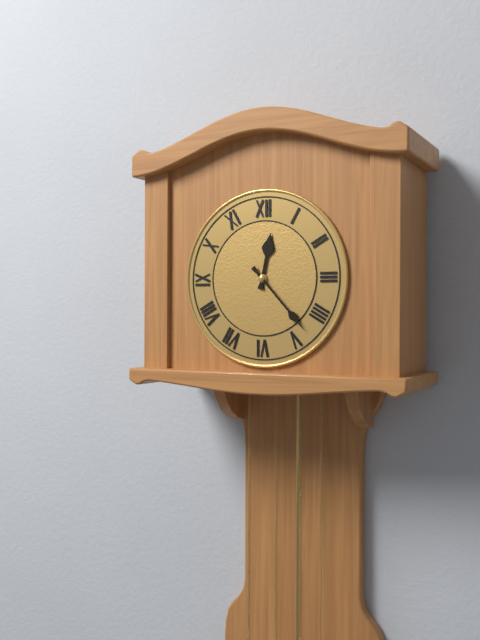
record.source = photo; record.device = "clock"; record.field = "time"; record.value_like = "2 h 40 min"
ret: 12 h 23 min
